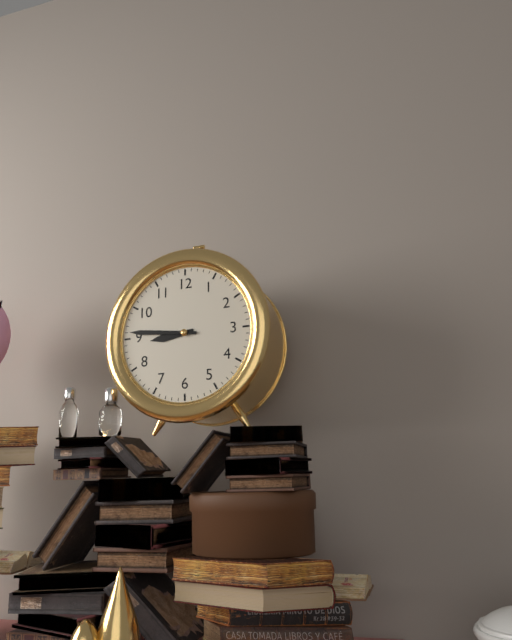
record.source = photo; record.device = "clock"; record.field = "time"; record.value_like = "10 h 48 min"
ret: 8 h 46 min
